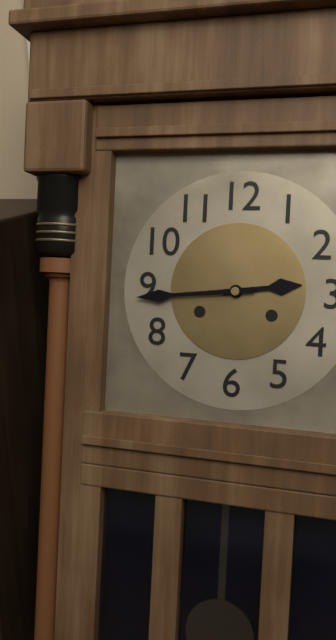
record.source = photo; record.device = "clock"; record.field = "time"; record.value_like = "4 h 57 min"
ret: 2 h 44 min
